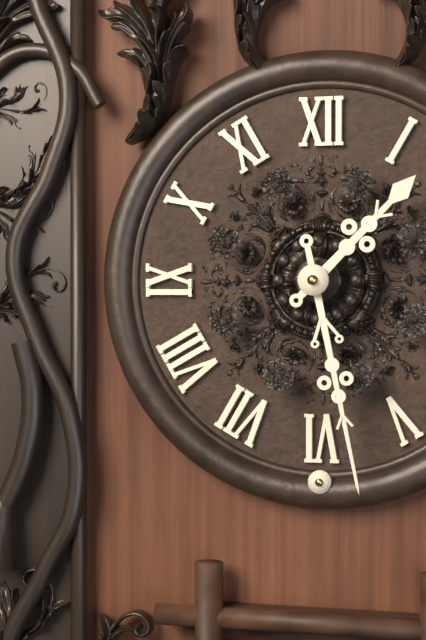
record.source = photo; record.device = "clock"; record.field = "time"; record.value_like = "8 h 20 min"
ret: 1 h 28 min
